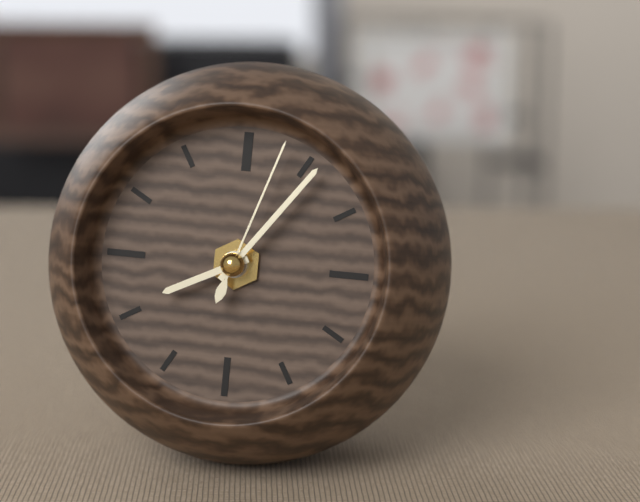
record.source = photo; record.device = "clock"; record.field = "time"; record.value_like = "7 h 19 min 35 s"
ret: 8 h 06 min 03 s
